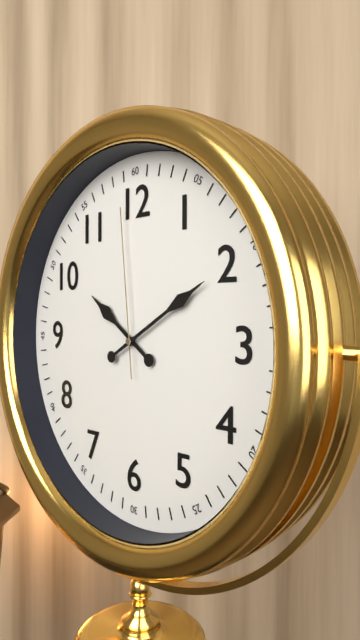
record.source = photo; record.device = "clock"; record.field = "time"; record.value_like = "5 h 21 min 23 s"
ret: 10 h 10 min 59 s
